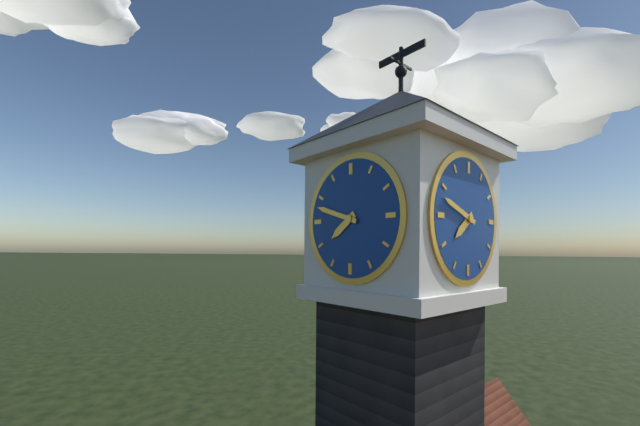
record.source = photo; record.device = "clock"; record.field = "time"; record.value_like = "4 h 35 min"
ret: 7 h 48 min
